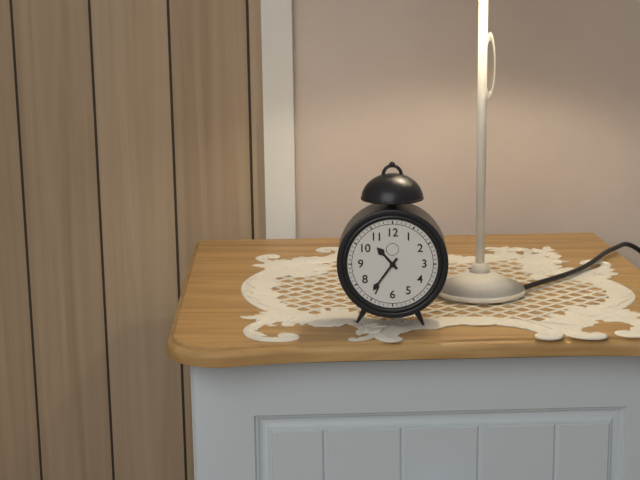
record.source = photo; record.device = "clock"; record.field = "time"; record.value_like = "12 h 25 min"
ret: 10 h 36 min
